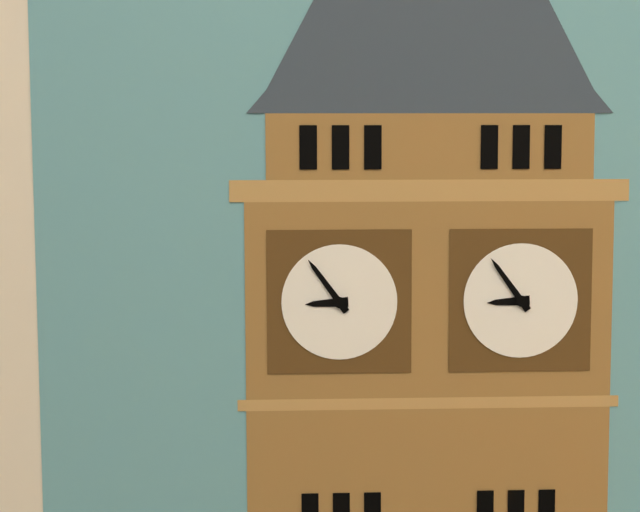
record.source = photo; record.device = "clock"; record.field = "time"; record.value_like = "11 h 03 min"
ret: 8 h 54 min
